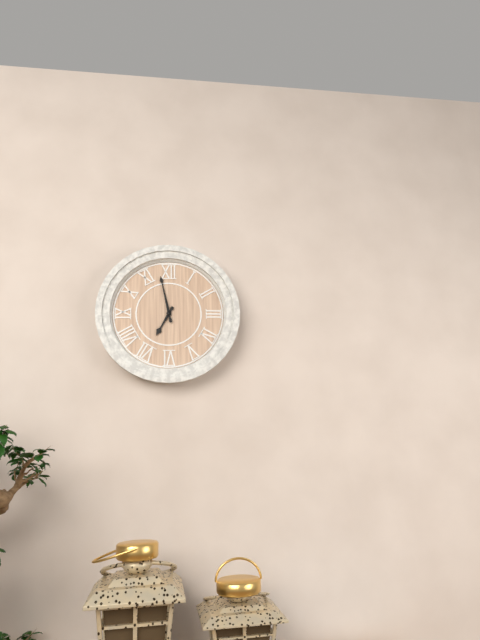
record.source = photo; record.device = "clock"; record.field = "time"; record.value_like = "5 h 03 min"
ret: 6 h 58 min
